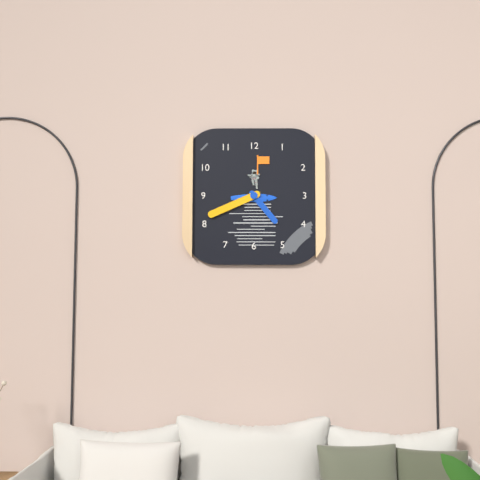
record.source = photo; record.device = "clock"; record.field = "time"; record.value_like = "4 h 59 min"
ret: 4 h 41 min
